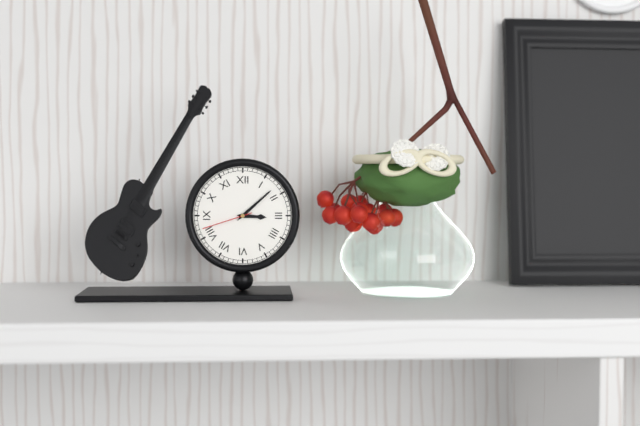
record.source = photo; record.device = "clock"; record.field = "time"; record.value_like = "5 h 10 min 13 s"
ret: 3 h 08 min 42 s
